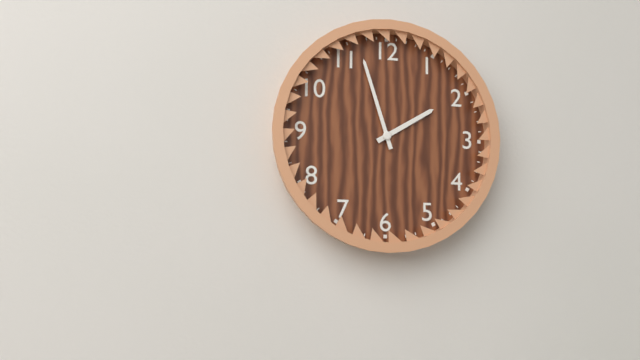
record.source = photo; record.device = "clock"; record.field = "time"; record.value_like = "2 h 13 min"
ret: 1 h 57 min
